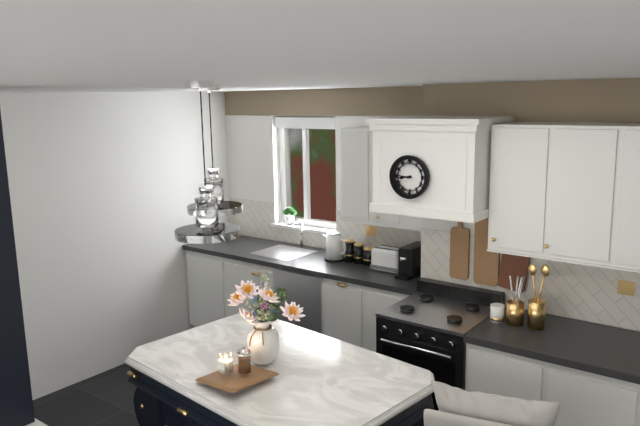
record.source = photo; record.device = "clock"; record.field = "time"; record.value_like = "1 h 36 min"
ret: 8 h 46 min
